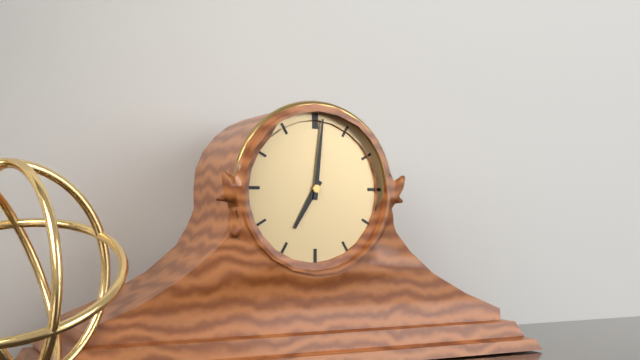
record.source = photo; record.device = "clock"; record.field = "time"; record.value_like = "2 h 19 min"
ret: 7 h 01 min
